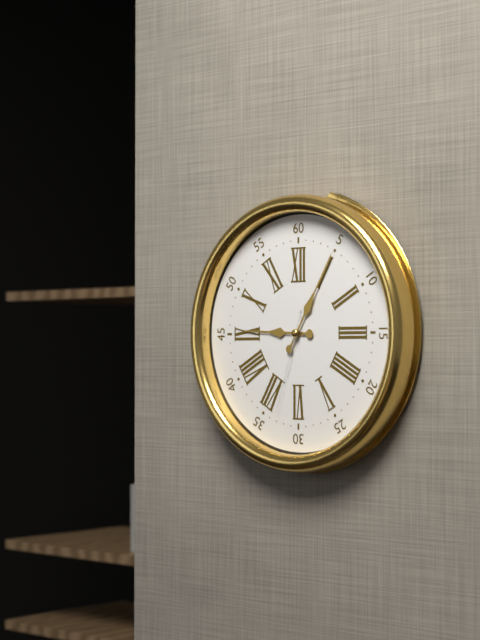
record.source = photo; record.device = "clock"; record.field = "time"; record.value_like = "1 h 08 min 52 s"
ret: 9 h 05 min 33 s
